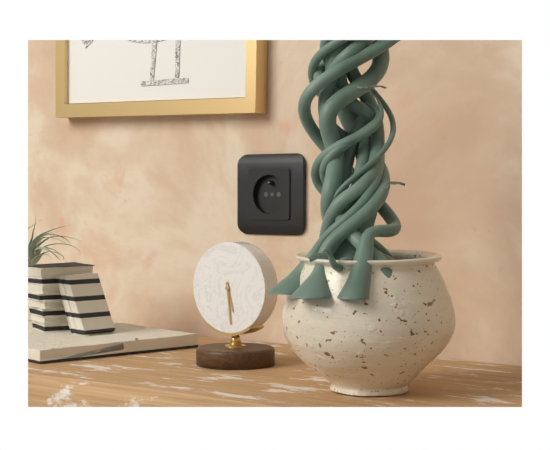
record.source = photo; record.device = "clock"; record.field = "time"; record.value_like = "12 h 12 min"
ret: 5 h 29 min
